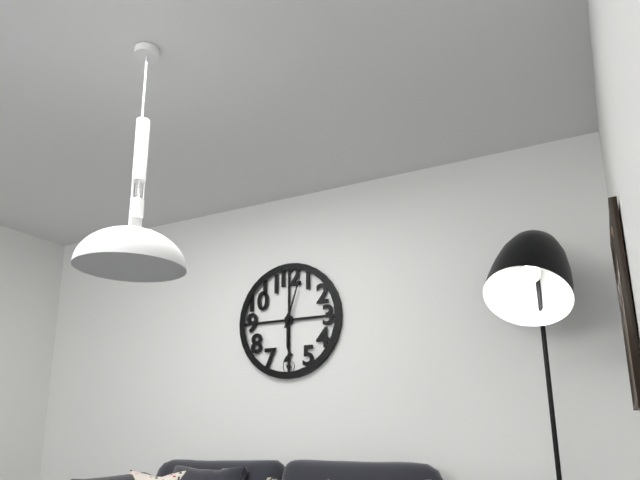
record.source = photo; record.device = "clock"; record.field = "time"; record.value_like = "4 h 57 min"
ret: 6 h 03 min
